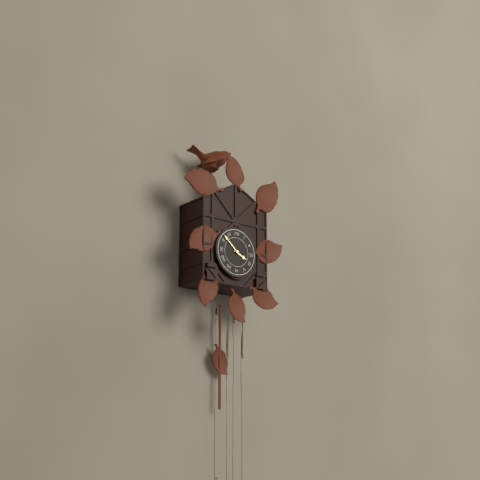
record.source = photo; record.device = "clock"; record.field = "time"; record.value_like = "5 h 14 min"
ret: 3 h 52 min
